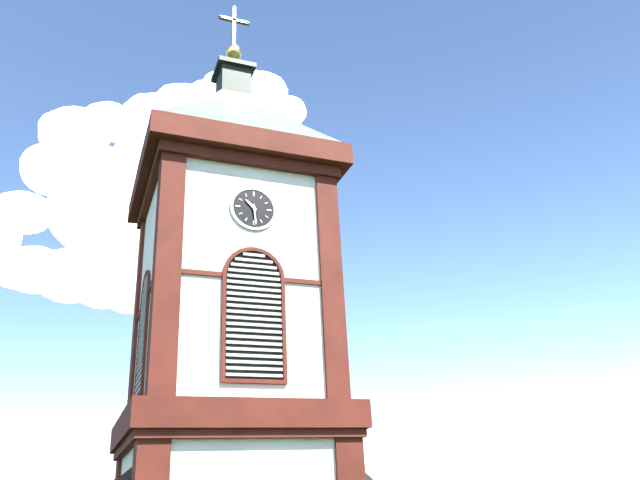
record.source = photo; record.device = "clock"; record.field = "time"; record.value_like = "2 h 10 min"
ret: 10 h 29 min
